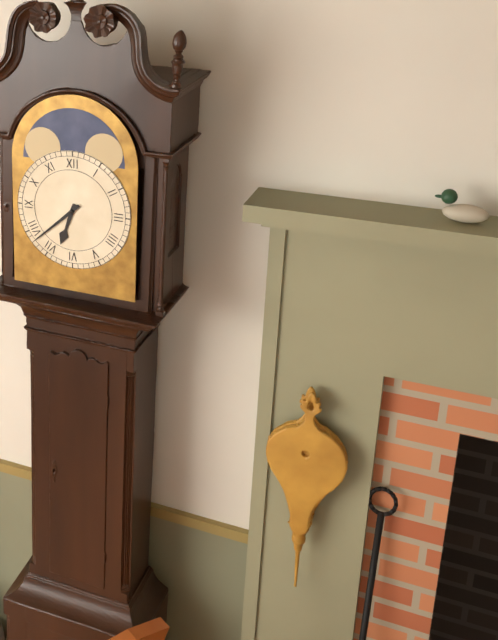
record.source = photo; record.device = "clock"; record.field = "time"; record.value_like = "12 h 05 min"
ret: 6 h 38 min
